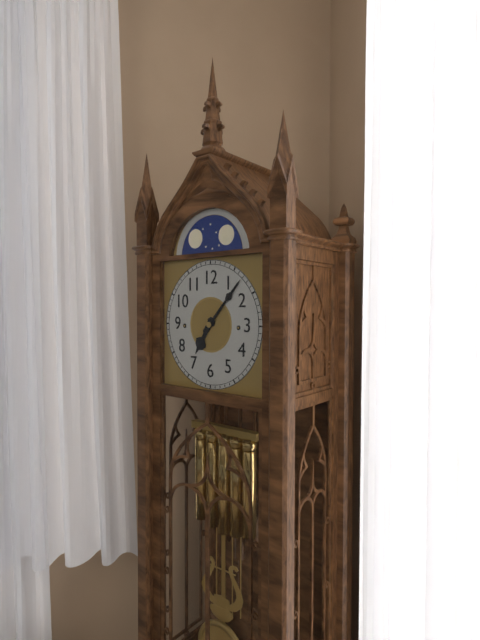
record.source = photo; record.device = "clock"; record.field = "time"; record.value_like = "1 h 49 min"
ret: 7 h 07 min
